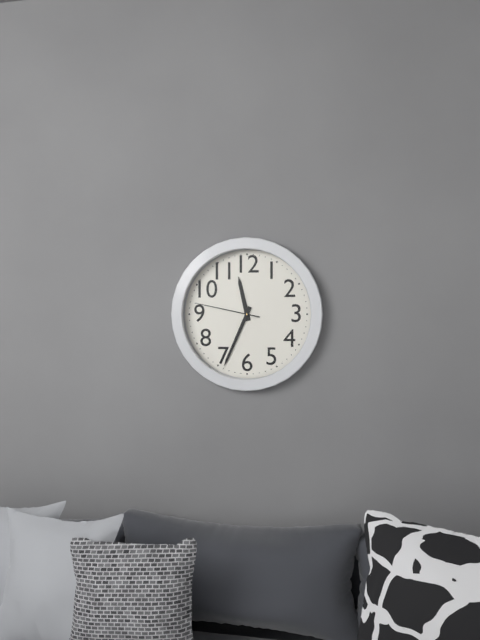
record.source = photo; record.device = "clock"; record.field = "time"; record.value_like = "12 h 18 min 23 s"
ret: 11 h 34 min 47 s
